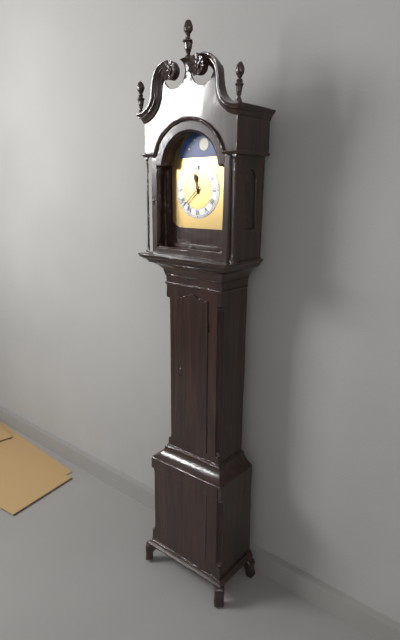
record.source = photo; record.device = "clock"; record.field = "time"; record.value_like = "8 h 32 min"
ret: 11 h 38 min
